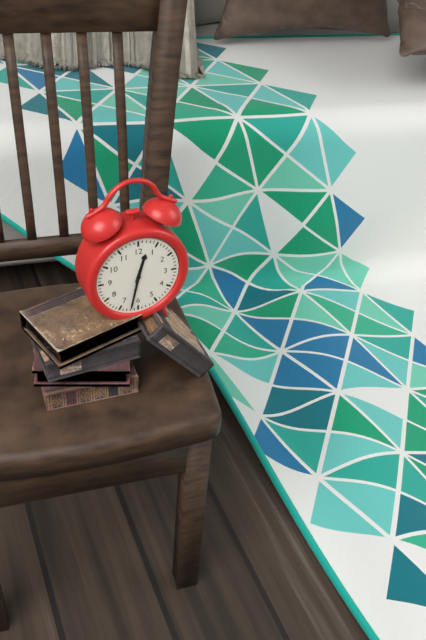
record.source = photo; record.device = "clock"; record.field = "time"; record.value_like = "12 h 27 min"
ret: 12 h 32 min
